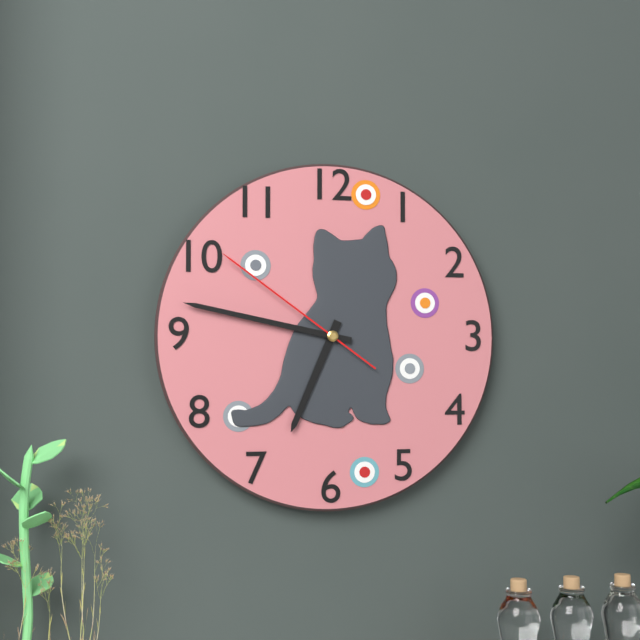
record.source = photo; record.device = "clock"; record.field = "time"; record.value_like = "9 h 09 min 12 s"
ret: 6 h 47 min 51 s
